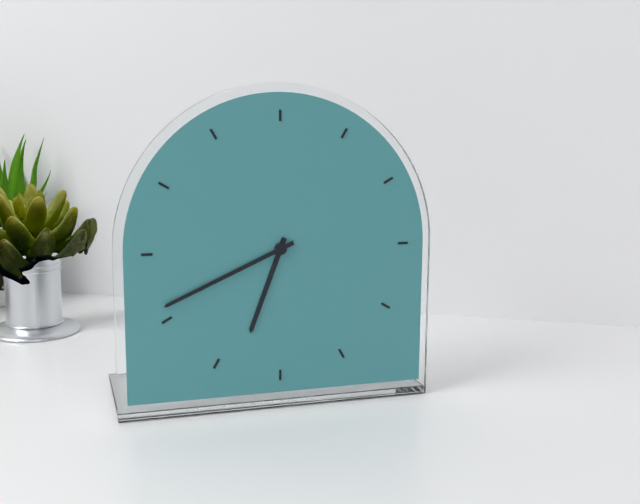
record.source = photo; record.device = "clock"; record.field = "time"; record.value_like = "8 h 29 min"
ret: 6 h 41 min
